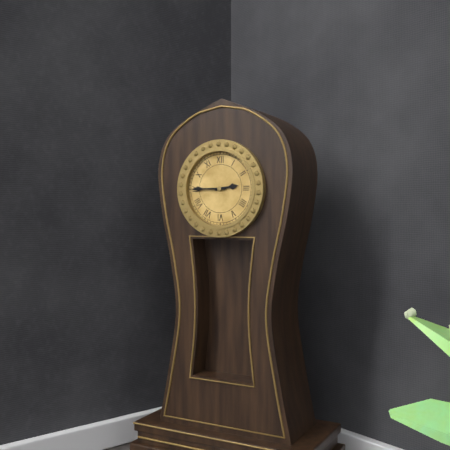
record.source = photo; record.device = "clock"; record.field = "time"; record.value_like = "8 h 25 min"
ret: 2 h 45 min
